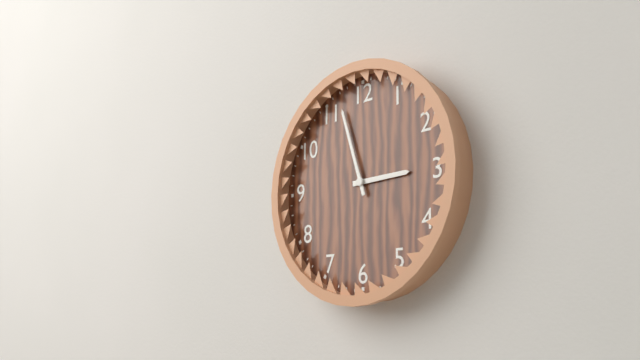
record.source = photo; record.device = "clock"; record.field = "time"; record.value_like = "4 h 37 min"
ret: 2 h 57 min
